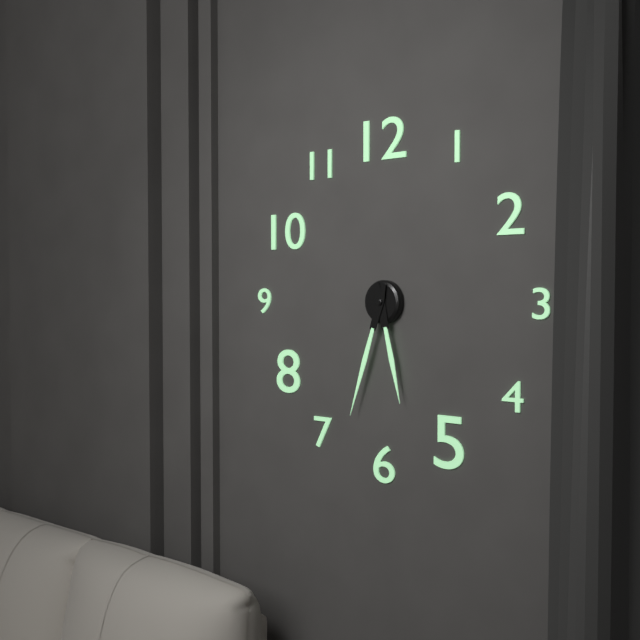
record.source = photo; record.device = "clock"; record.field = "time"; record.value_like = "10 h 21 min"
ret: 5 h 33 min
